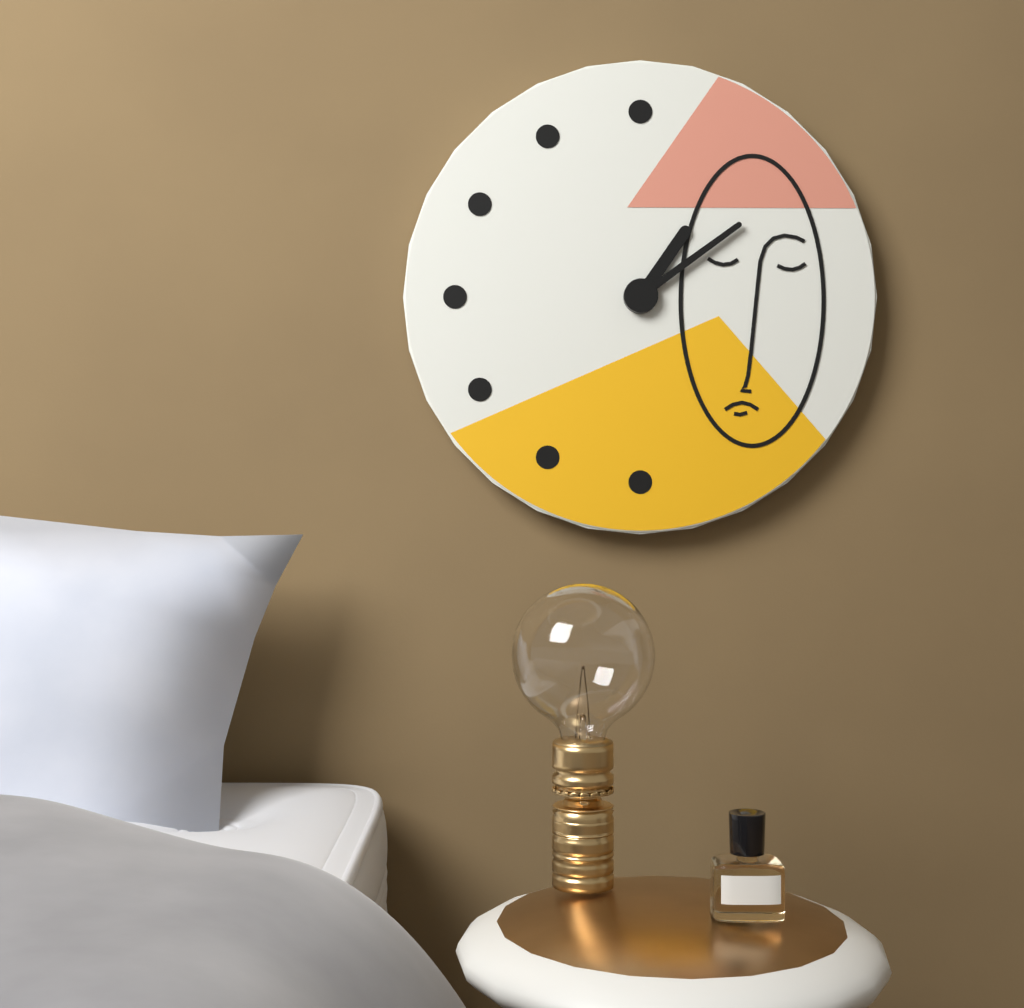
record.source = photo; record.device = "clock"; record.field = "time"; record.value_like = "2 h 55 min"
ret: 1 h 09 min
